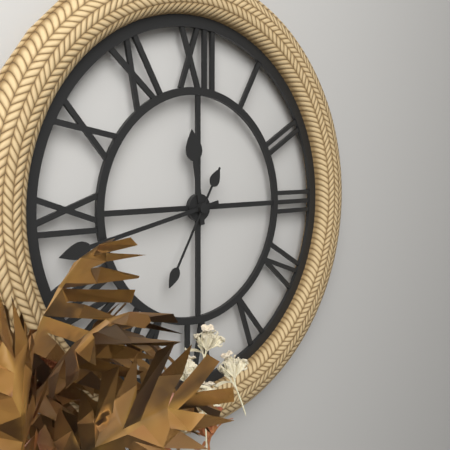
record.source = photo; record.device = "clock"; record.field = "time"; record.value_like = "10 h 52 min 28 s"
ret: 11 h 43 min 35 s
